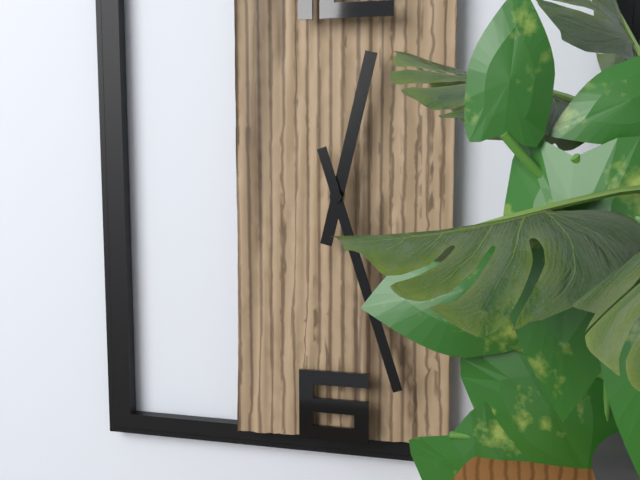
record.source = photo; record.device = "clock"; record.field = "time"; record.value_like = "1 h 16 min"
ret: 12 h 27 min
